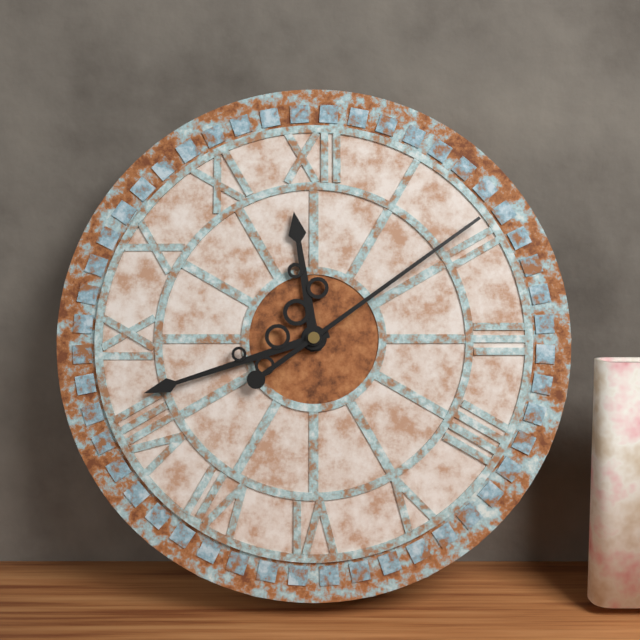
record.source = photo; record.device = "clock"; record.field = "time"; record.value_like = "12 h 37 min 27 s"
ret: 11 h 42 min 09 s
